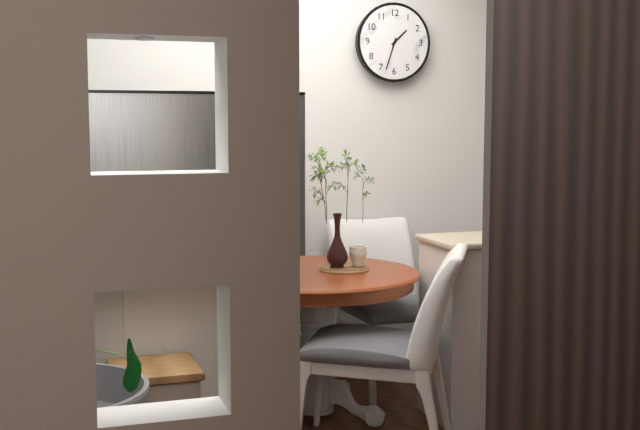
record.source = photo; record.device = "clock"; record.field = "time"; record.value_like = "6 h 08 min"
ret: 1 h 33 min
